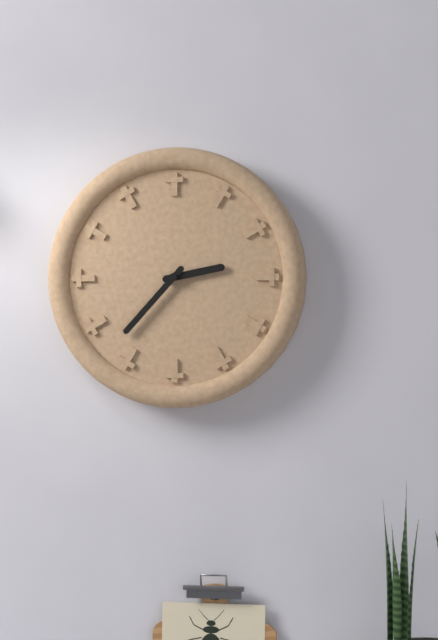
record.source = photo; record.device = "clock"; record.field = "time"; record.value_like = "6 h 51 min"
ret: 2 h 37 min
